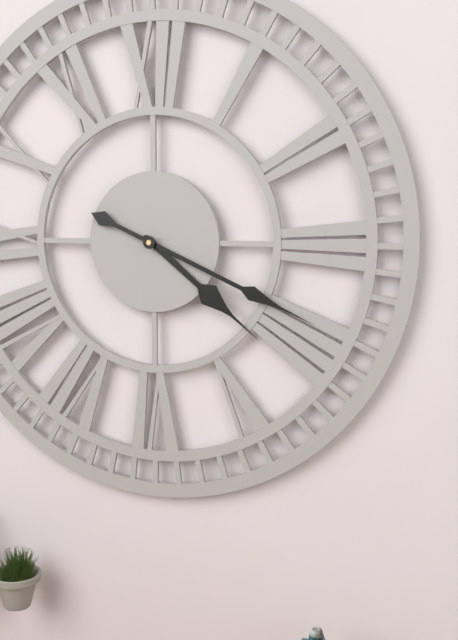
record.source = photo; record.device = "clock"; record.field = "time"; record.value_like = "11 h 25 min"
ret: 4 h 19 min
